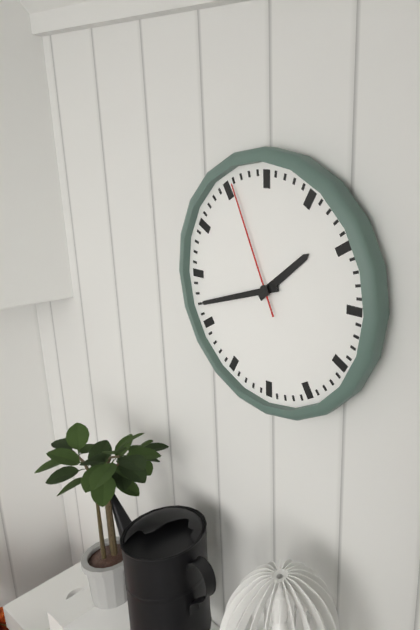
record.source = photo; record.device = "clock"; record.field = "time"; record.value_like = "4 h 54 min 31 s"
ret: 1 h 42 min 56 s
